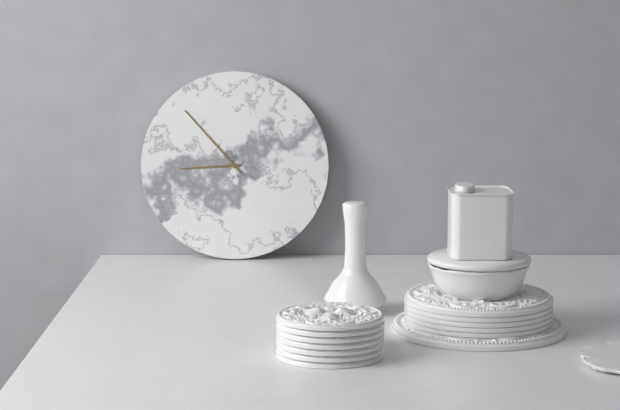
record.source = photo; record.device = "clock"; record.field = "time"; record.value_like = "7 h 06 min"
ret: 8 h 53 min
